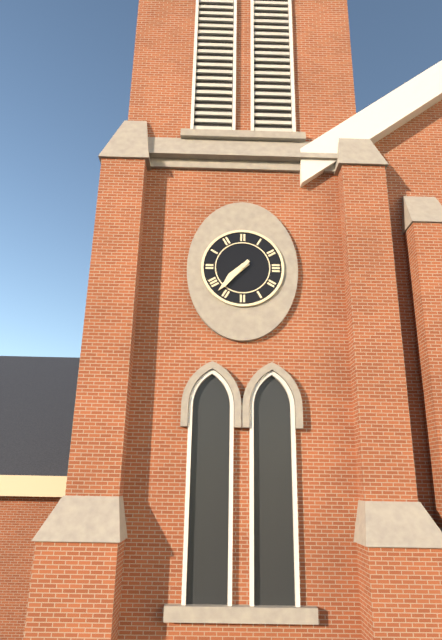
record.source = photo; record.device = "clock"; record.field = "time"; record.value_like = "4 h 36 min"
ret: 7 h 37 min
